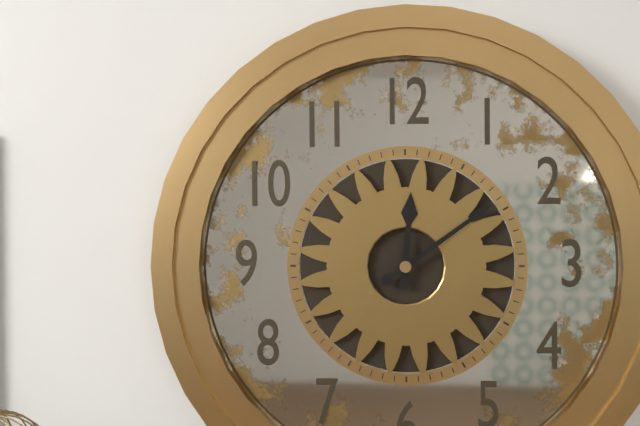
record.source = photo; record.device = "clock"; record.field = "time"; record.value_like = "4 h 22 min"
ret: 12 h 09 min
